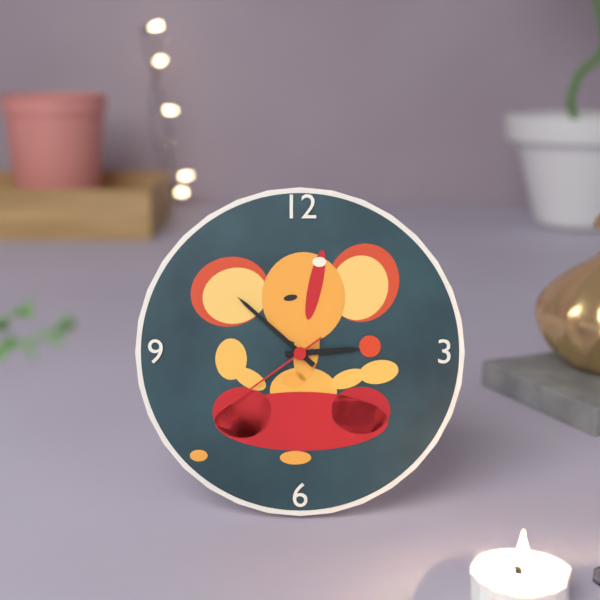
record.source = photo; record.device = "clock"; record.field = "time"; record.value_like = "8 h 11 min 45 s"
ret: 2 h 52 min 39 s
